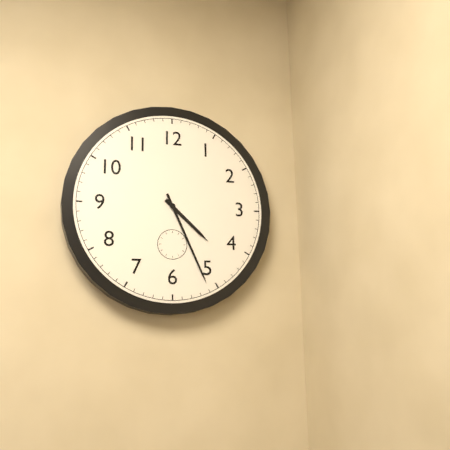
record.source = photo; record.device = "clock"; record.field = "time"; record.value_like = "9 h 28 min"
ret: 4 h 26 min
